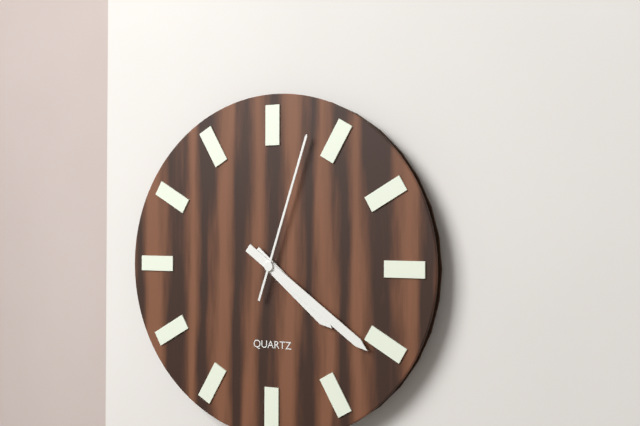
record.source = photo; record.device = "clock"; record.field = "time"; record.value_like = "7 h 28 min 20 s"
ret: 4 h 21 min 03 s
